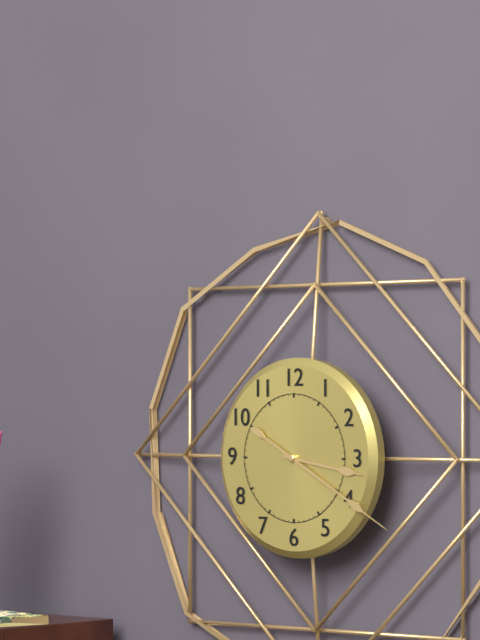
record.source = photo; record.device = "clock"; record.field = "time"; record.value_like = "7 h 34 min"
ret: 3 h 20 min
